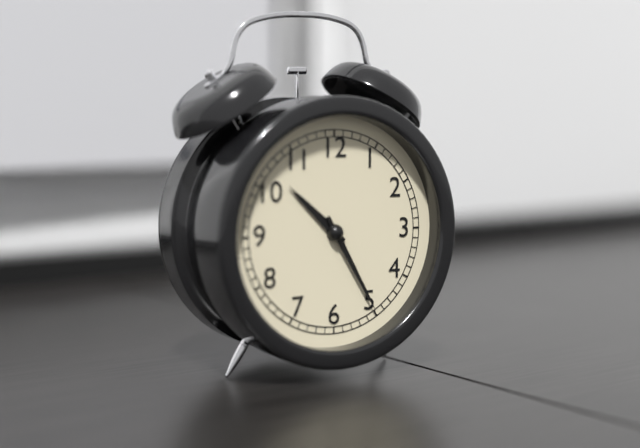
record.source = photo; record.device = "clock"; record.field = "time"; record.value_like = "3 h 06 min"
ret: 10 h 25 min
